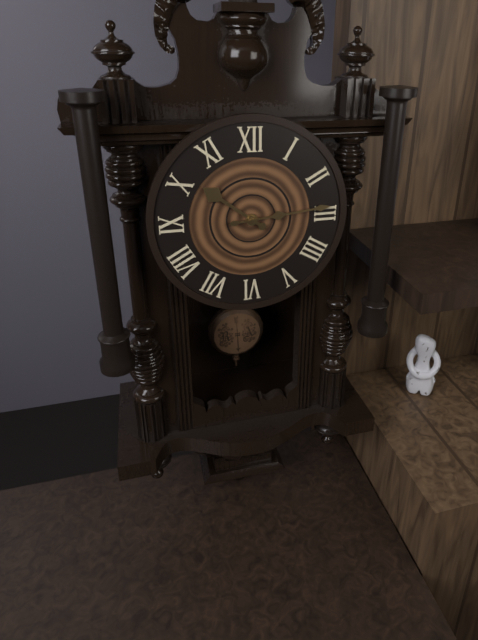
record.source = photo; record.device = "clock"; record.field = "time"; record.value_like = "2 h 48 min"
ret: 10 h 14 min
